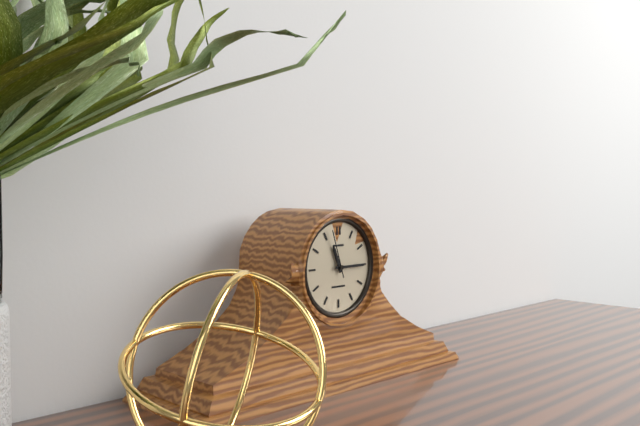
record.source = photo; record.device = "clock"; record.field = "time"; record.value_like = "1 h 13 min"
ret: 11 h 15 min
